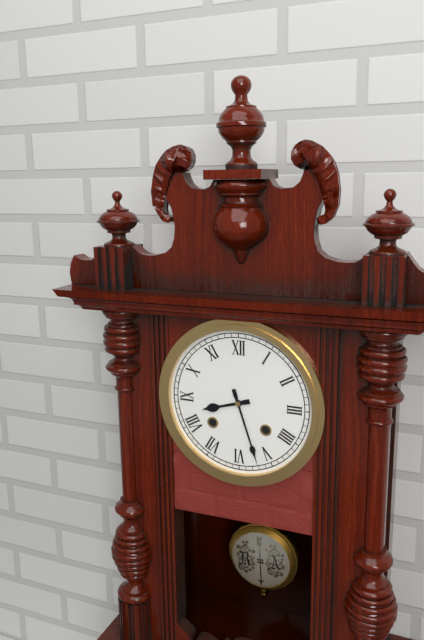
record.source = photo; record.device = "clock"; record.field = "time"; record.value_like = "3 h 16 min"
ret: 8 h 27 min
